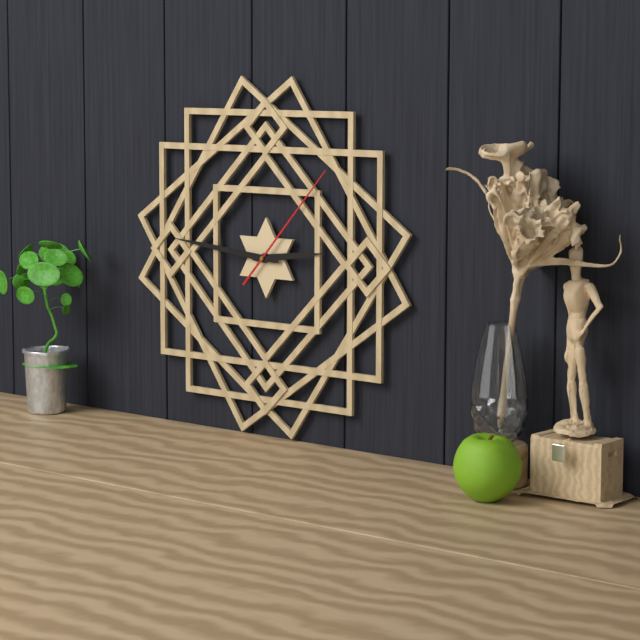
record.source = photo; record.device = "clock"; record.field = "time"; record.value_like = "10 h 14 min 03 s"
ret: 2 h 46 min 07 s
